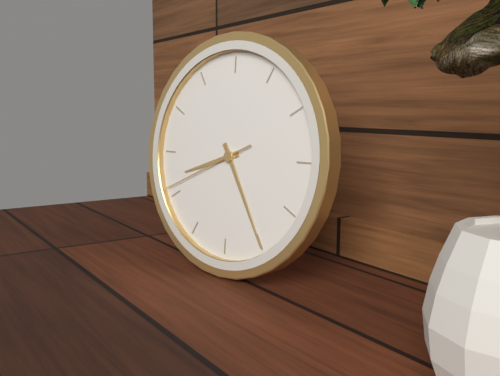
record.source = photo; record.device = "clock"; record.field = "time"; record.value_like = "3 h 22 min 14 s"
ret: 8 h 25 min 41 s
